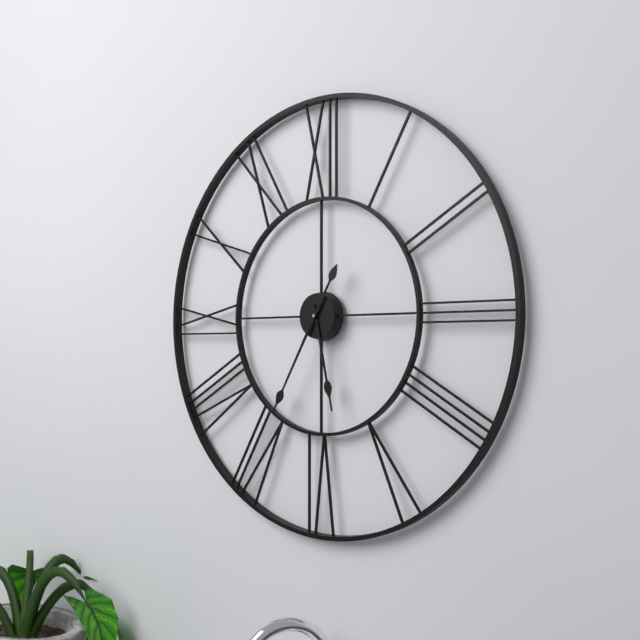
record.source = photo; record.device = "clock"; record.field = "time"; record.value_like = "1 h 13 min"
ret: 5 h 35 min
